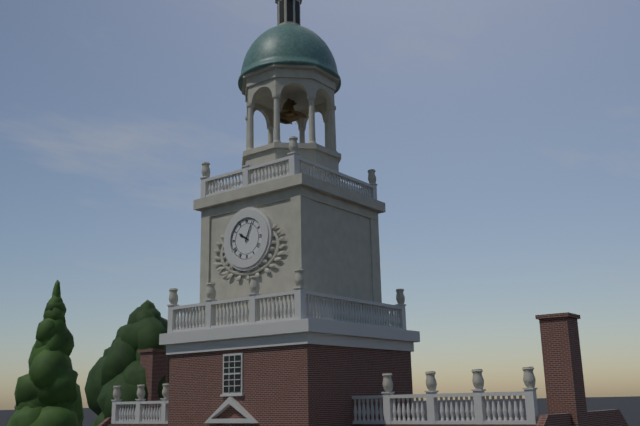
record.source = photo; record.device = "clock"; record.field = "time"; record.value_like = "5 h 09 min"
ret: 10 h 04 min
